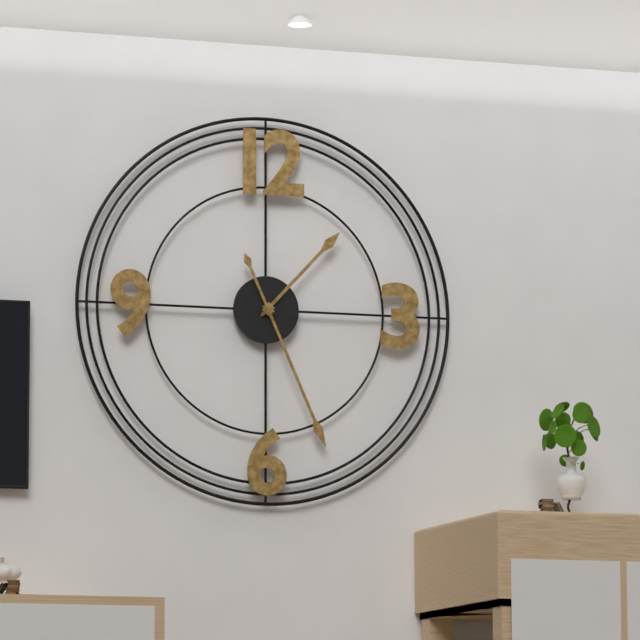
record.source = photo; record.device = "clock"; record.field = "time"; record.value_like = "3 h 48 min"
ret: 1 h 26 min
